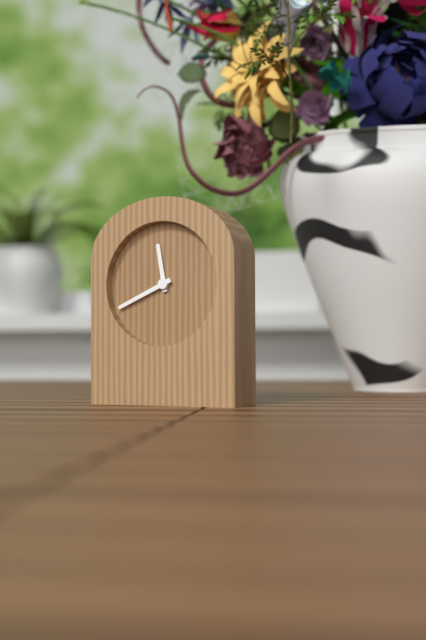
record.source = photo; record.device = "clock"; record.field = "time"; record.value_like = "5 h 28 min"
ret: 11 h 41 min
